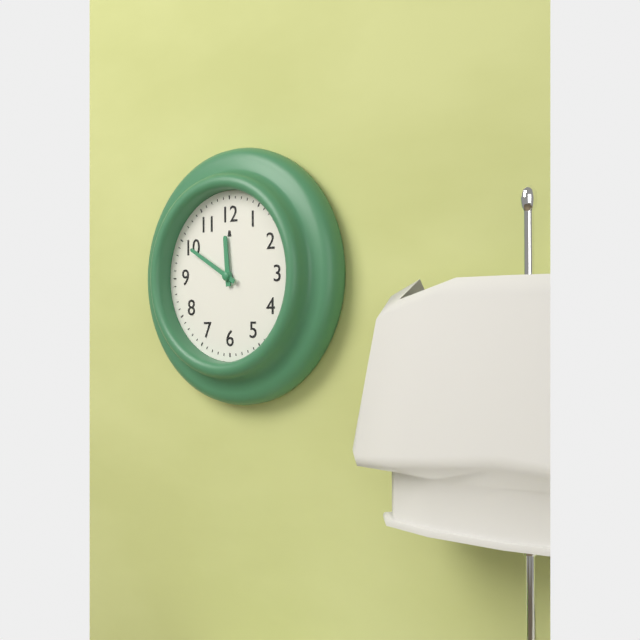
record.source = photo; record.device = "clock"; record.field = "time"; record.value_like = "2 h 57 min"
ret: 11 h 50 min
